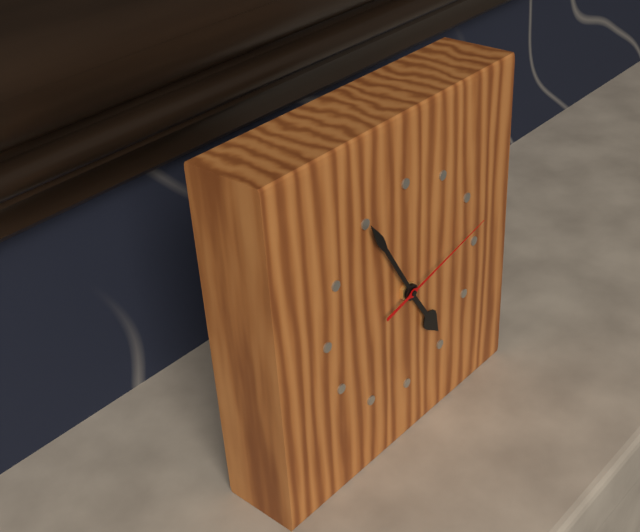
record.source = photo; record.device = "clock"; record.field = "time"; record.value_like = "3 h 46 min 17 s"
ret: 4 h 55 min 13 s
